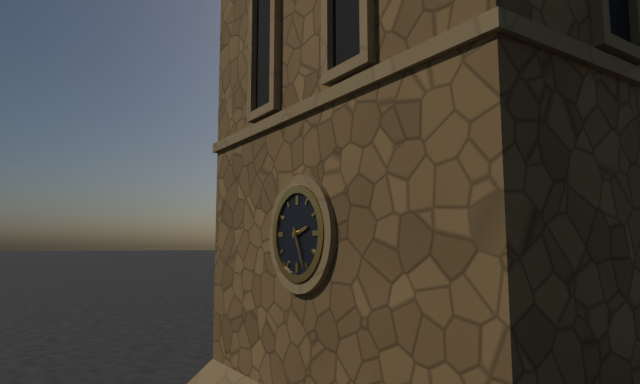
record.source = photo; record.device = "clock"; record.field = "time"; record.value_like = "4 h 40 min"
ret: 2 h 26 min
